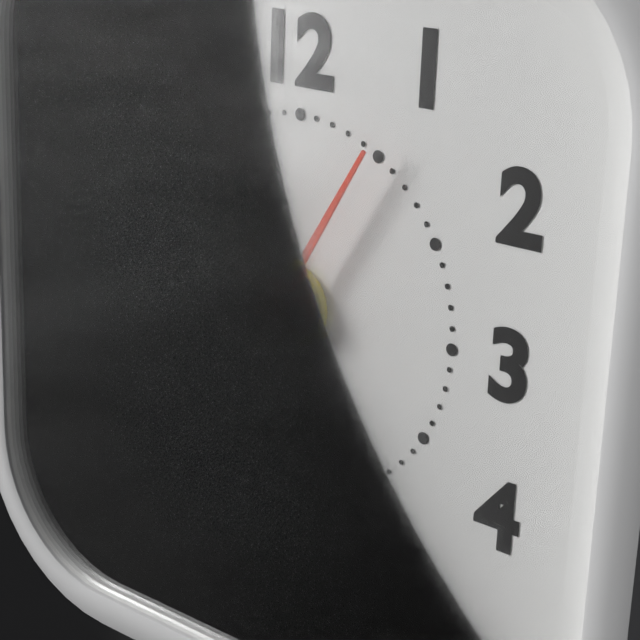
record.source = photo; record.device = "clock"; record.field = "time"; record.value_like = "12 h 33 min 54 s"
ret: 10 h 39 min 05 s
